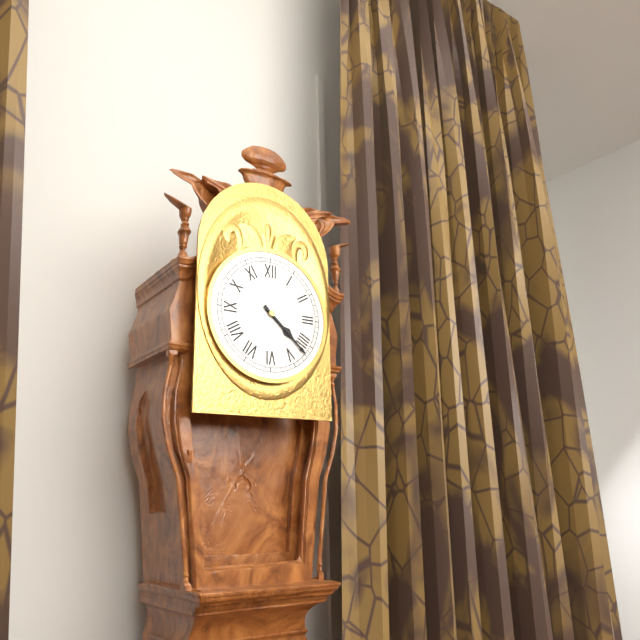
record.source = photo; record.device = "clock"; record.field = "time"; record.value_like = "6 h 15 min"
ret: 4 h 22 min
